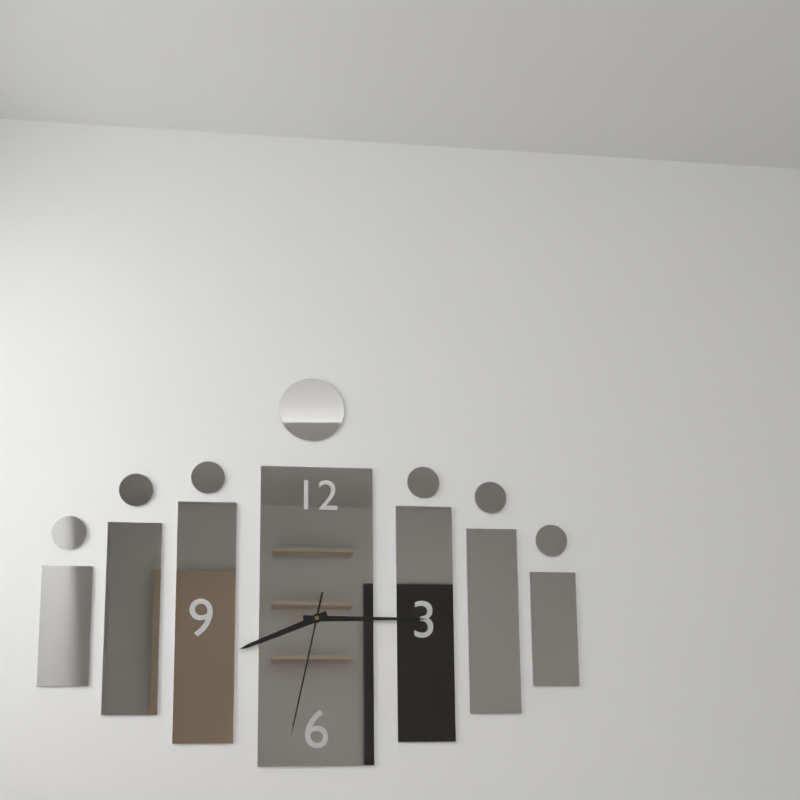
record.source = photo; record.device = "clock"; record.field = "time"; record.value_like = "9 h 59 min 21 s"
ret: 8 h 15 min 32 s
